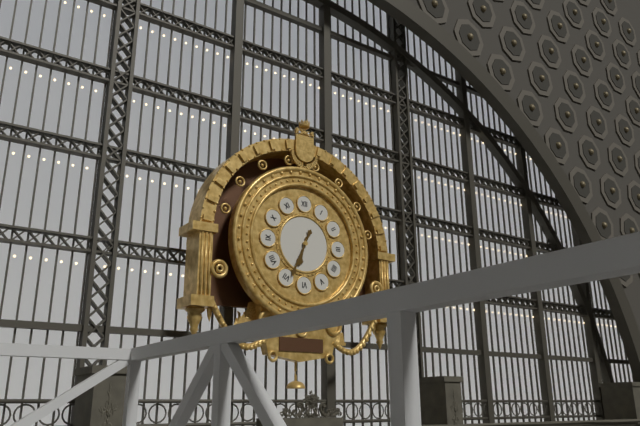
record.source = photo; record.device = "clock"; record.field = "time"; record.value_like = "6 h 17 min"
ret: 6 h 34 min
